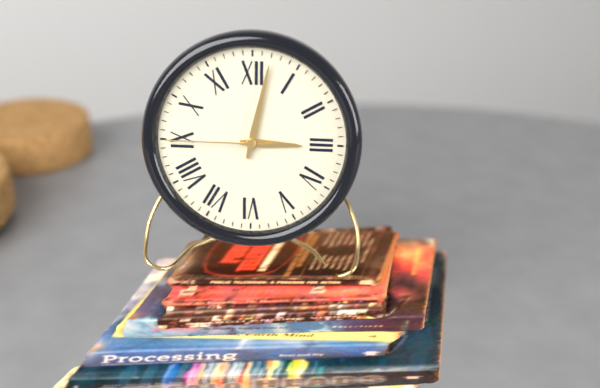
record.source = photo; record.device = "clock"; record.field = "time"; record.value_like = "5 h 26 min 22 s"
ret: 3 h 02 min 45 s
